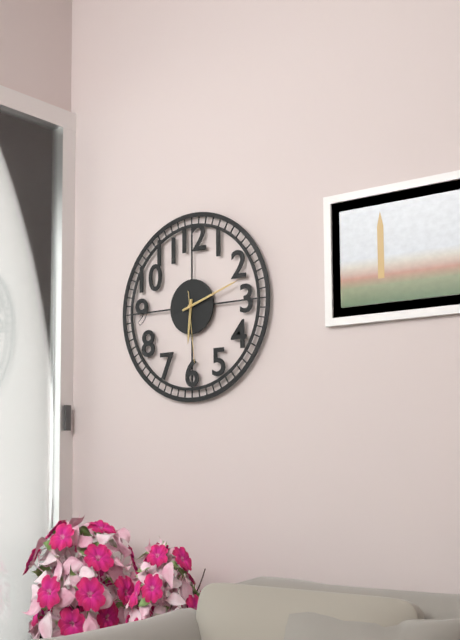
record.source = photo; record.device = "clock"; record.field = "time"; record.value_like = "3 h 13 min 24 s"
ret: 6 h 12 min 29 s
